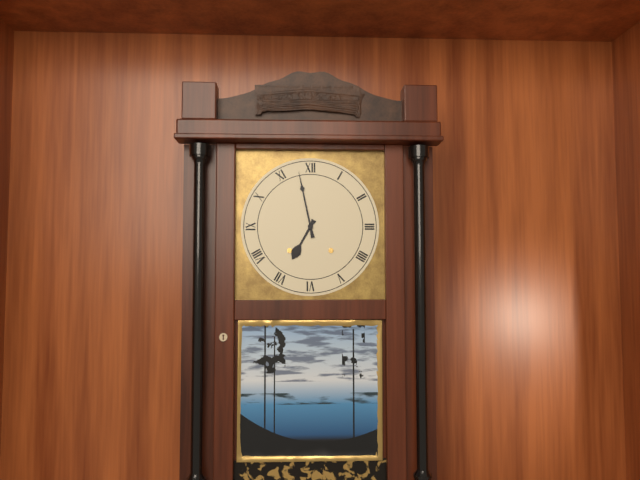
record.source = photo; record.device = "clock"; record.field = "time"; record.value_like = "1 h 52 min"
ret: 6 h 58 min
